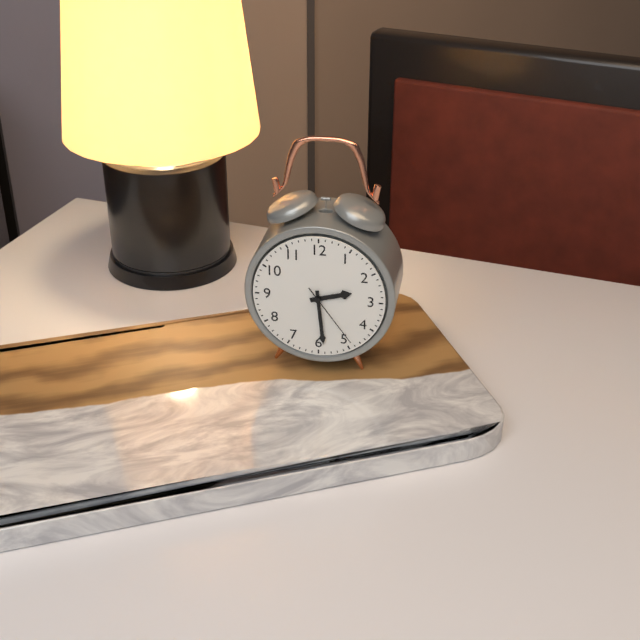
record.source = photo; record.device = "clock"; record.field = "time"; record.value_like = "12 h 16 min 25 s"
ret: 2 h 29 min 24 s
